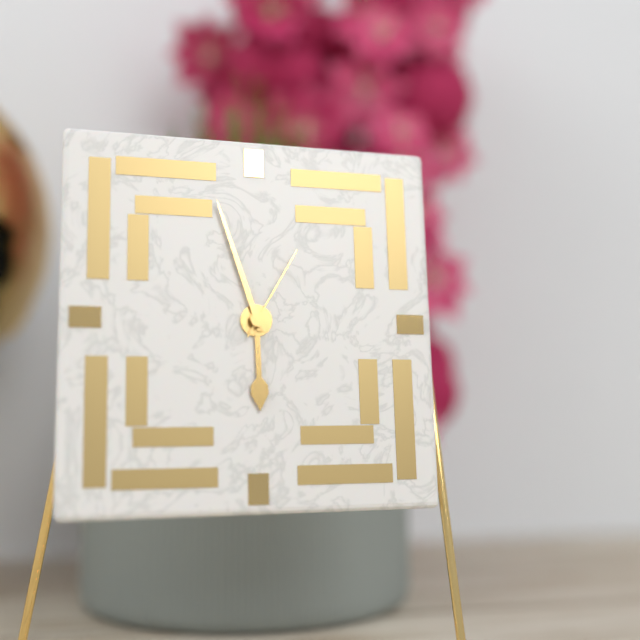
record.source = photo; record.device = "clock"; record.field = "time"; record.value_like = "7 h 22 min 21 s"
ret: 5 h 57 min 05 s
